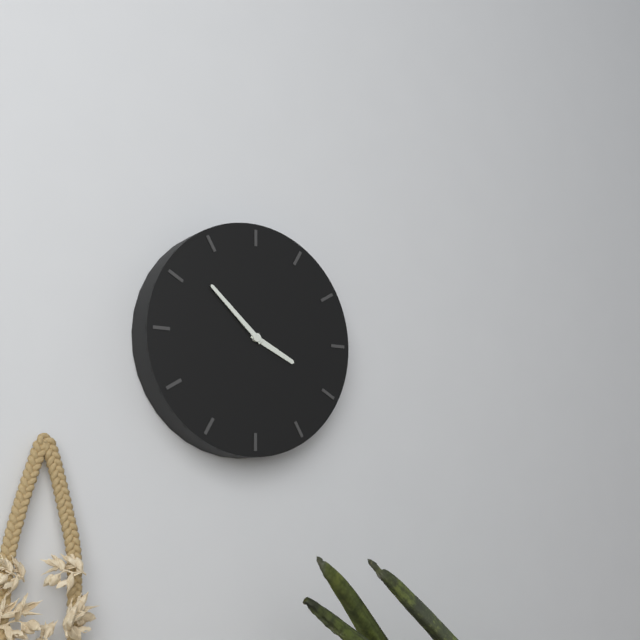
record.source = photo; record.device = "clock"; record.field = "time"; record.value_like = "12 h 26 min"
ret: 3 h 52 min
